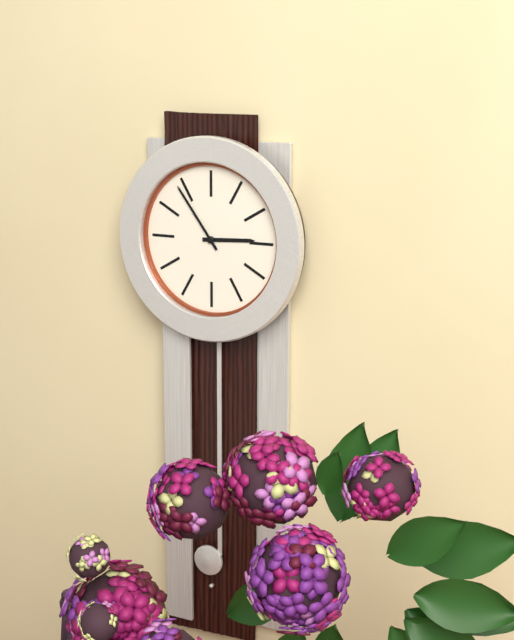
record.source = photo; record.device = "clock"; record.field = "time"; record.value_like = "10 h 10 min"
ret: 2 h 54 min
